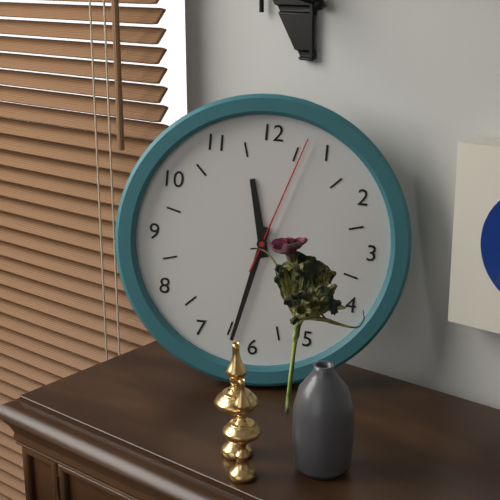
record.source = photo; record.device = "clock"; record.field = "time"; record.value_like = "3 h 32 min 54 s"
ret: 11 h 32 min 03 s
